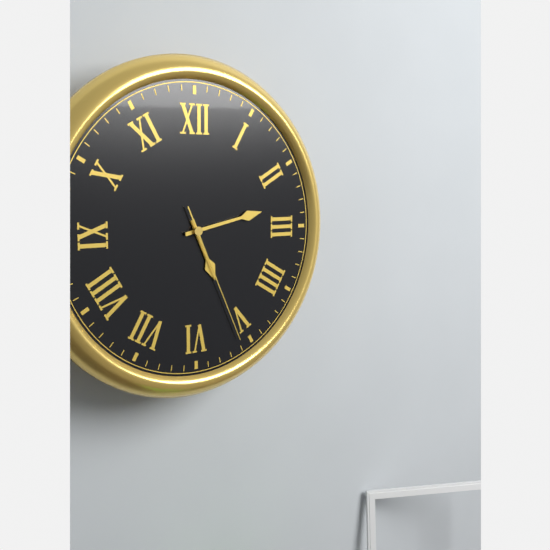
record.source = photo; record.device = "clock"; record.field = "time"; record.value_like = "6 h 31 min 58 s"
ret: 5 h 13 min 26 s
